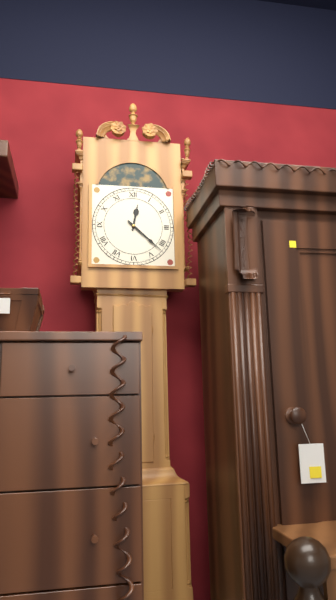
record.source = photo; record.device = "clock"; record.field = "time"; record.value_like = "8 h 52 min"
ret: 12 h 22 min
